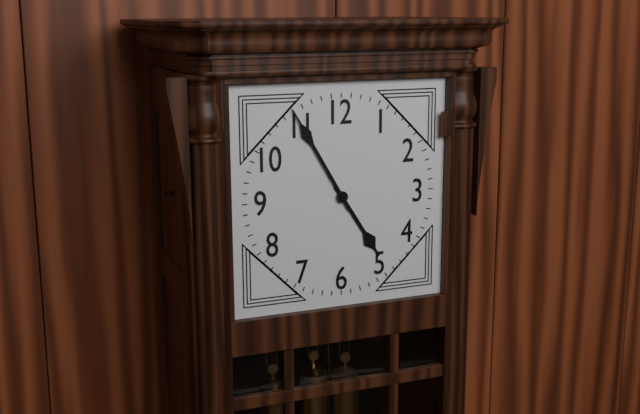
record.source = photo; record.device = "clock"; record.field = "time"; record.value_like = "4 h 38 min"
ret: 4 h 55 min
